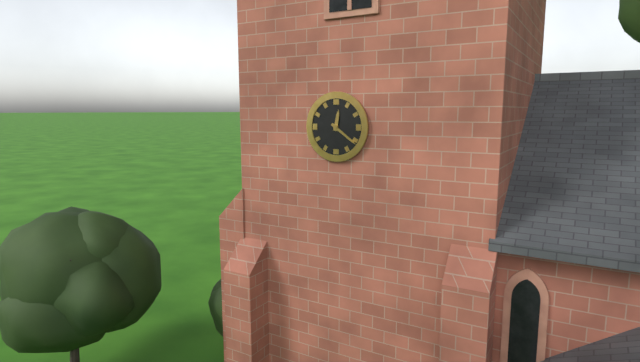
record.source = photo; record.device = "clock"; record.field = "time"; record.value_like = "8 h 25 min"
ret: 12 h 21 min
